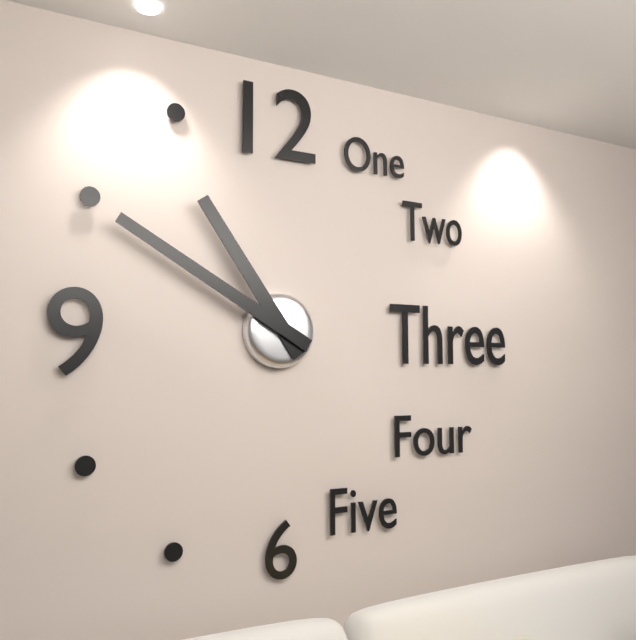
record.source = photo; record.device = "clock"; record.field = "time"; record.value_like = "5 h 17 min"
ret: 10 h 50 min
